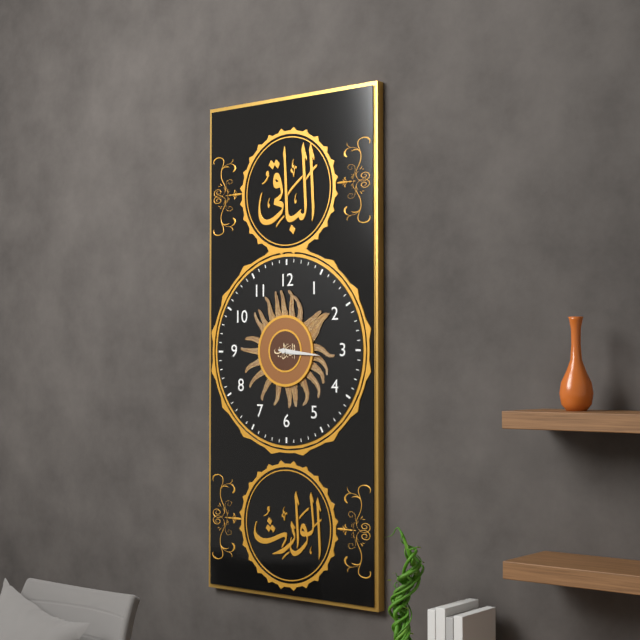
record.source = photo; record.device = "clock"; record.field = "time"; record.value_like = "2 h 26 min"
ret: 3 h 16 min
